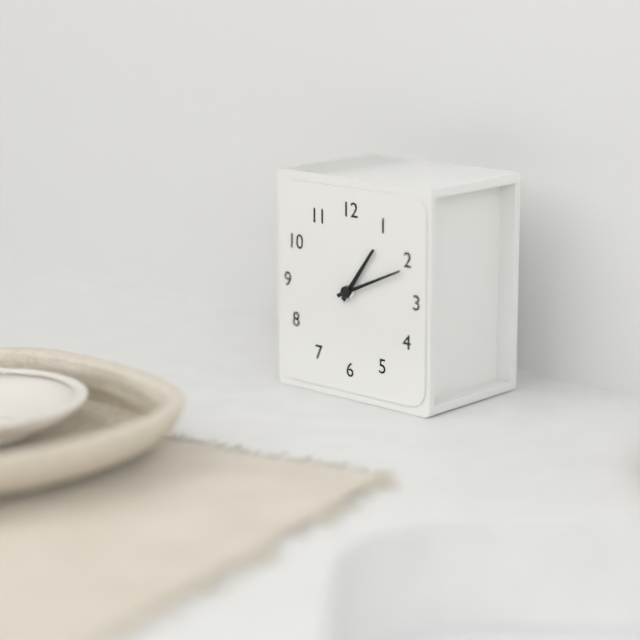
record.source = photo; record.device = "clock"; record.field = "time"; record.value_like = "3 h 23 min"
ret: 1 h 11 min
